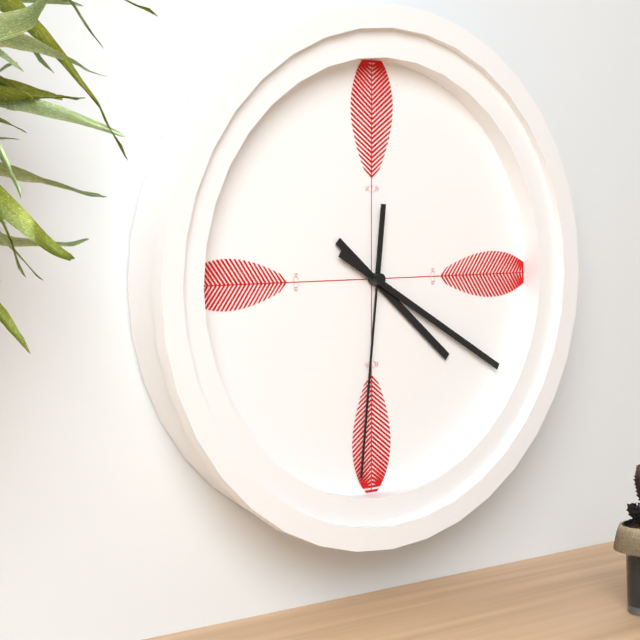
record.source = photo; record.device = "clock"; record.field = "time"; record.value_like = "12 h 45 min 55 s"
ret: 4 h 20 min 31 s
